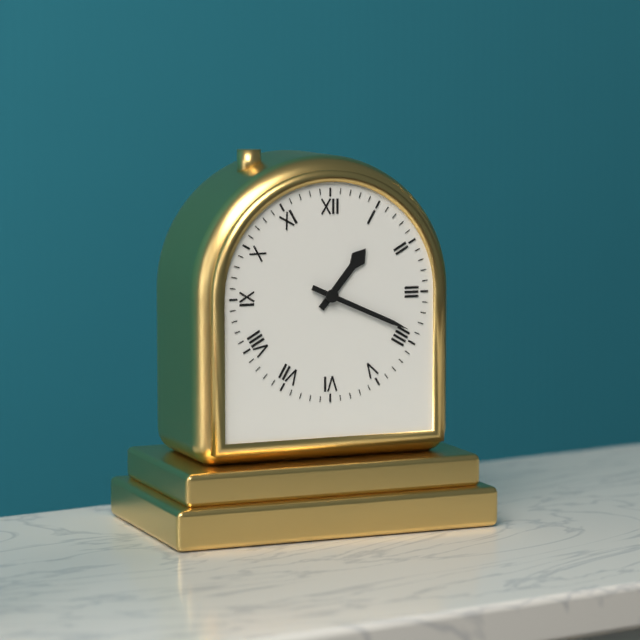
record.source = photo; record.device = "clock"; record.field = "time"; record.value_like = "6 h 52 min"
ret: 1 h 19 min
